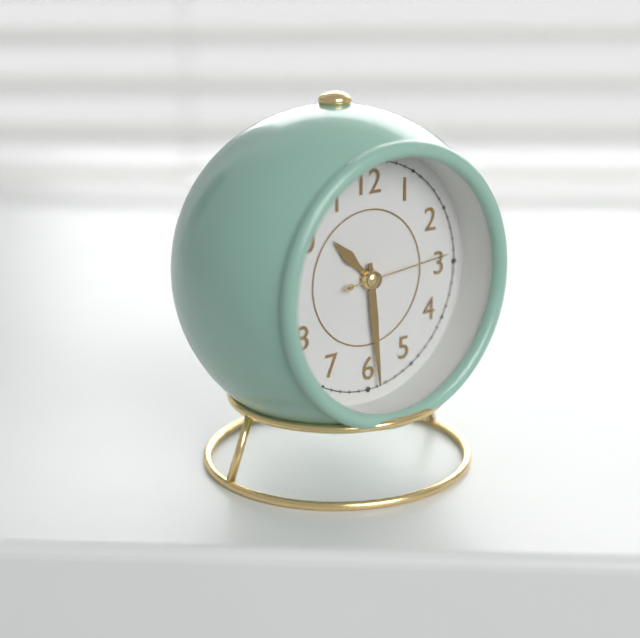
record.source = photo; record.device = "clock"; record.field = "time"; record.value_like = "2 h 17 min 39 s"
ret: 10 h 29 min 14 s
